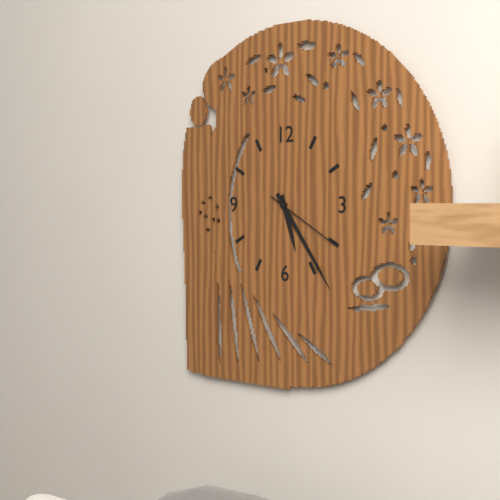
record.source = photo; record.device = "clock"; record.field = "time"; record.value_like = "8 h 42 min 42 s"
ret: 5 h 24 min 20 s
